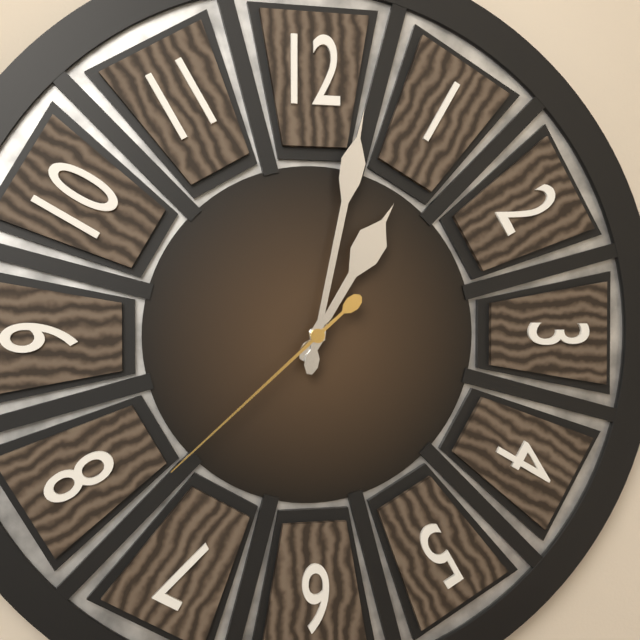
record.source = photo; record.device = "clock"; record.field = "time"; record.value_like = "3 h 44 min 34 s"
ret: 1 h 02 min 38 s
